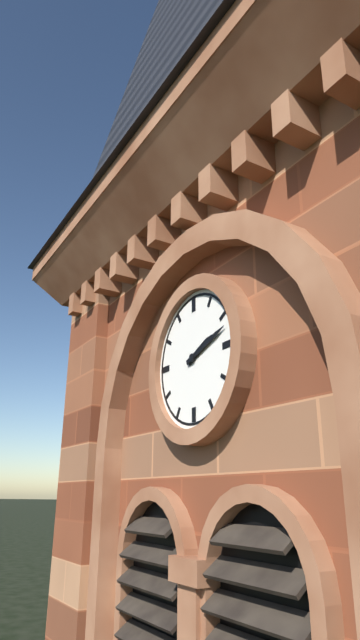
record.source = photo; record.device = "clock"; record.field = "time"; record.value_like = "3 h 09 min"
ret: 2 h 12 min
